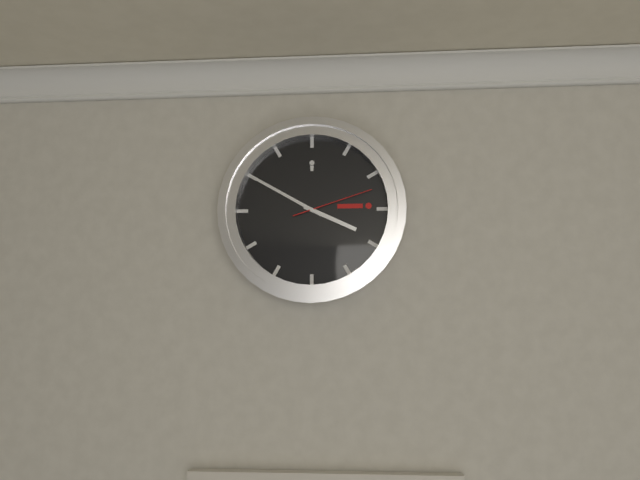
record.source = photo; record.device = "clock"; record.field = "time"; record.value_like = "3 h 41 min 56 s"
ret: 3 h 50 min 12 s
